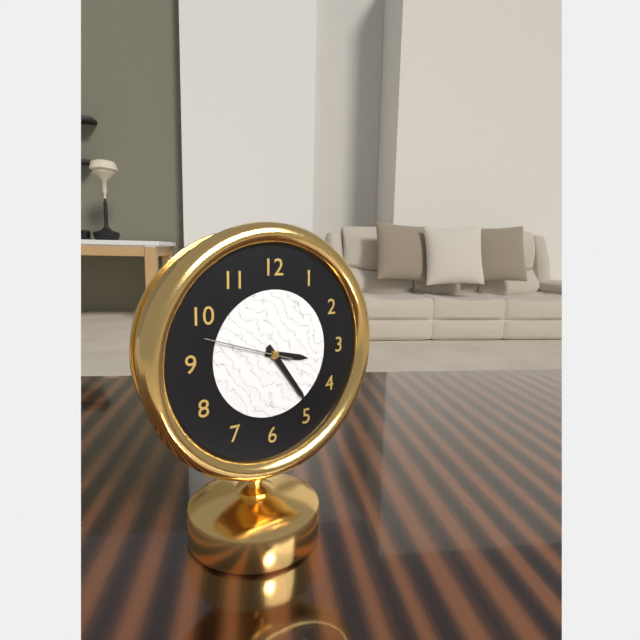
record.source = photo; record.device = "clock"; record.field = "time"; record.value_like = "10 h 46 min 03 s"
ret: 3 h 24 min 48 s
